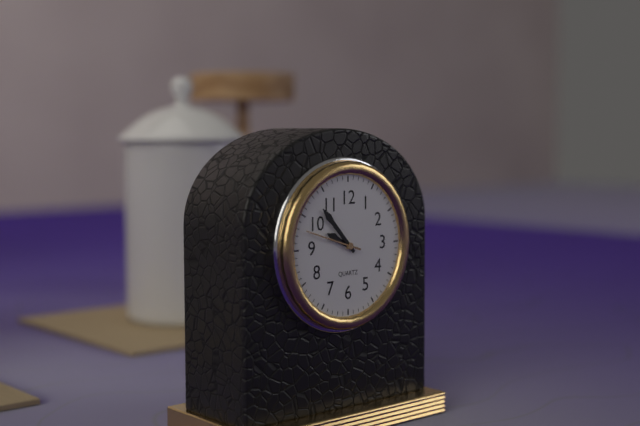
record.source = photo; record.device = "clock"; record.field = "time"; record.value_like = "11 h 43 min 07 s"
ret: 9 h 53 min 48 s
